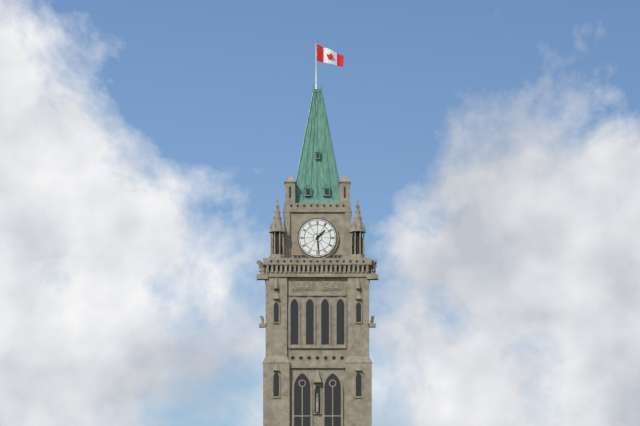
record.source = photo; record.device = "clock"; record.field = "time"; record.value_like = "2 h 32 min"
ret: 1 h 29 min
